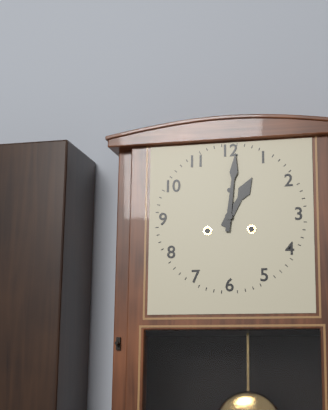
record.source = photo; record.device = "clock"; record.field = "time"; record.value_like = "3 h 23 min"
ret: 1 h 01 min
